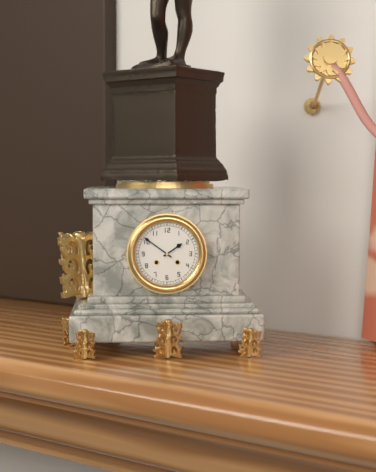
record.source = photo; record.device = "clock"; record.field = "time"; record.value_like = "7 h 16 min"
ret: 1 h 51 min
